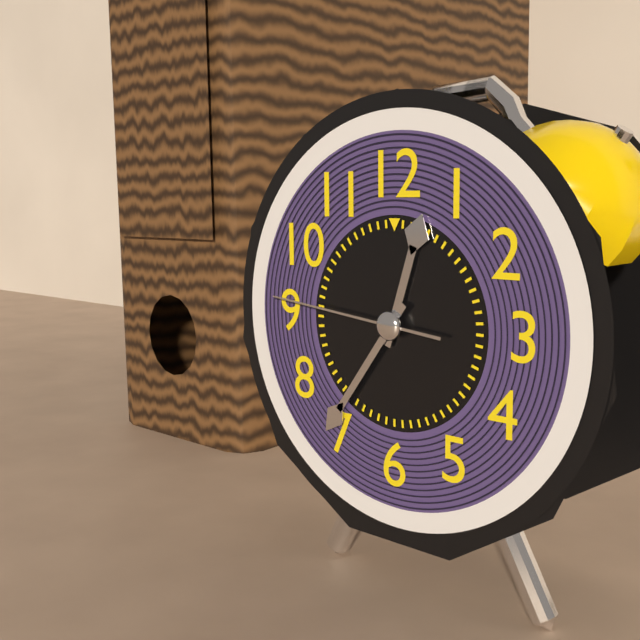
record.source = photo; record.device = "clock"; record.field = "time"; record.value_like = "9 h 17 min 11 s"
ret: 12 h 36 min 46 s
